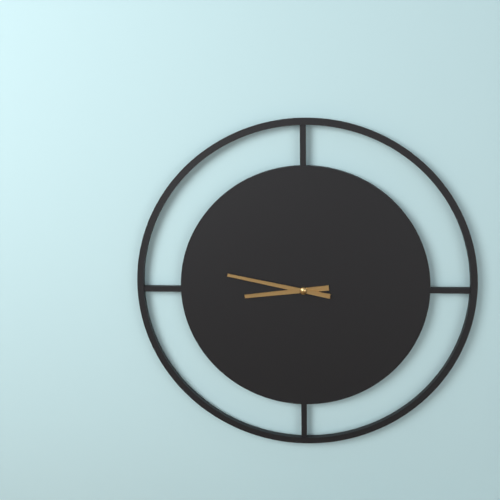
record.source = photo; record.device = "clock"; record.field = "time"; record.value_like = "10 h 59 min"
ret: 8 h 47 min
